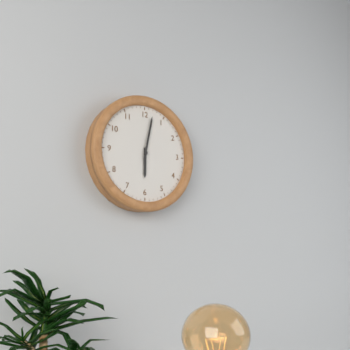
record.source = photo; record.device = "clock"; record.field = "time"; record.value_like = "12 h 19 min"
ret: 6 h 02 min
